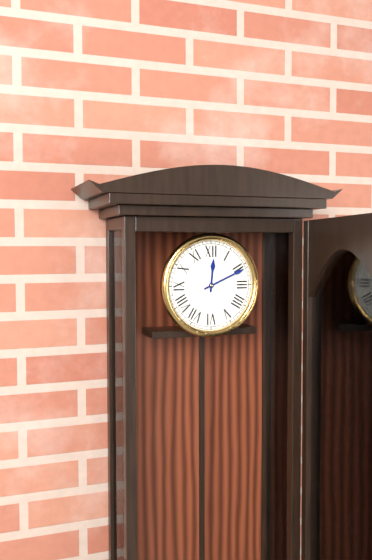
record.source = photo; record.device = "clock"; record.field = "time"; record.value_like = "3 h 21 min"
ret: 12 h 11 min
